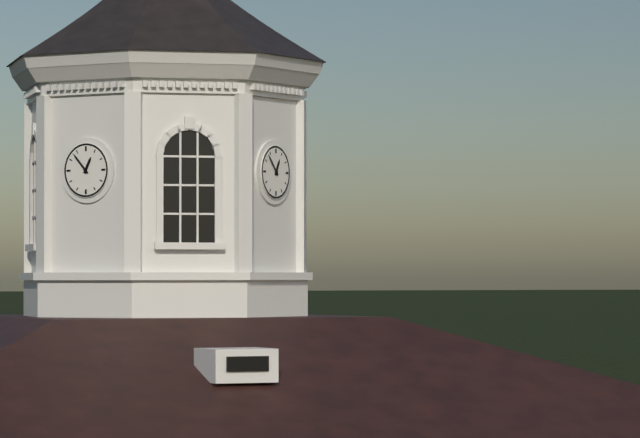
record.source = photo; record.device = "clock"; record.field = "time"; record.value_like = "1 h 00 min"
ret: 12 h 53 min
